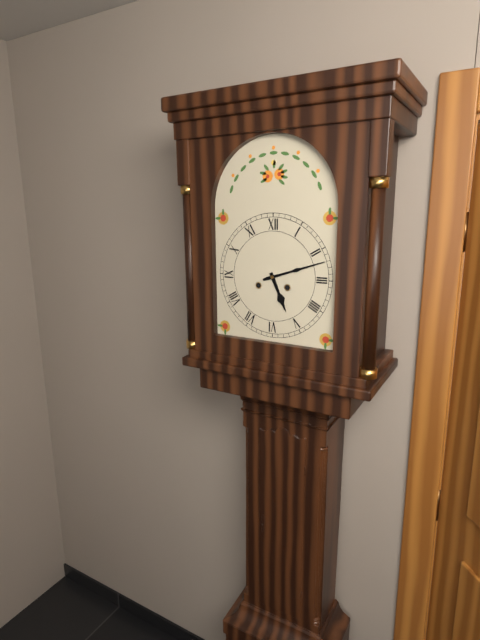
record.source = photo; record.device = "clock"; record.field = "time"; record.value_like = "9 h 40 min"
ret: 5 h 12 min
